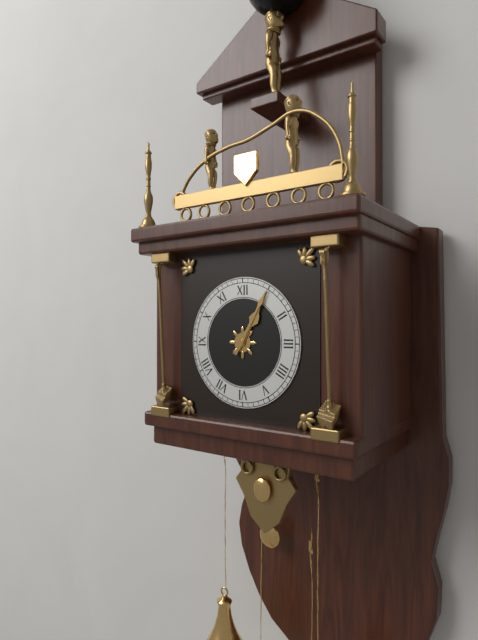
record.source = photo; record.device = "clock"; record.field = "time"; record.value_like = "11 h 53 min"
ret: 1 h 05 min
